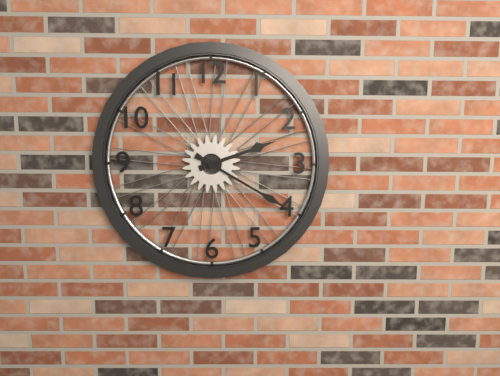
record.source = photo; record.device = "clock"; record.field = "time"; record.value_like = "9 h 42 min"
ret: 2 h 20 min
